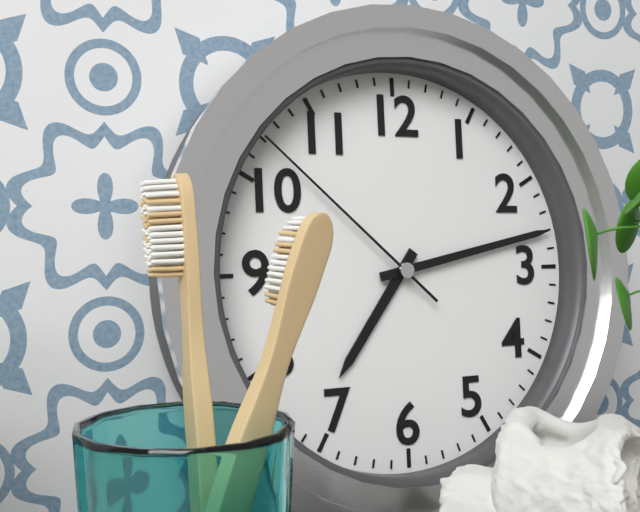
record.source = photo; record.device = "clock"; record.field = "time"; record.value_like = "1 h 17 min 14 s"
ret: 7 h 13 min 52 s
